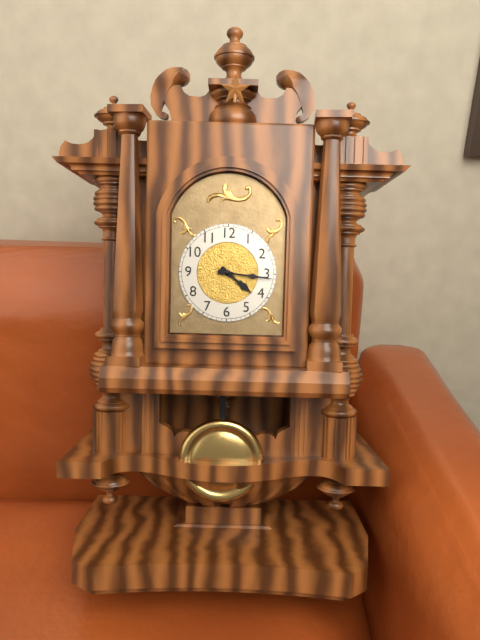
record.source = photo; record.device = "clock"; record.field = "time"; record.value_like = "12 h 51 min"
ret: 4 h 16 min
